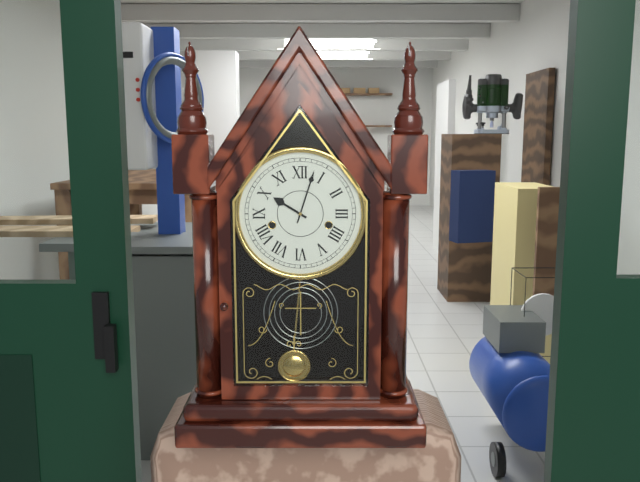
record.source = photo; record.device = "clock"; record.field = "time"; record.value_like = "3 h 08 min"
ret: 10 h 03 min
